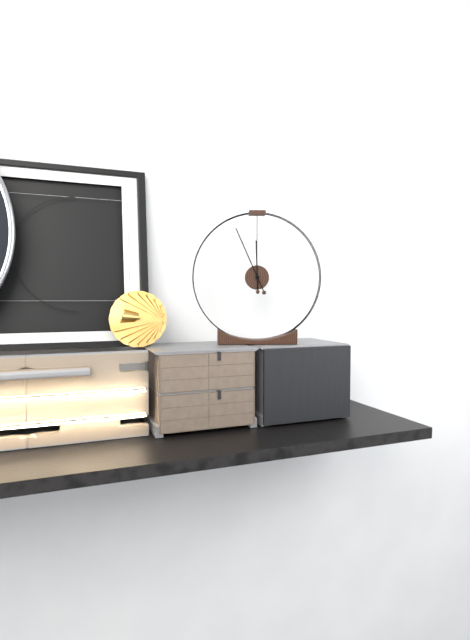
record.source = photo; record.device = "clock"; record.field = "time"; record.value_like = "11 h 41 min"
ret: 11 h 56 min
